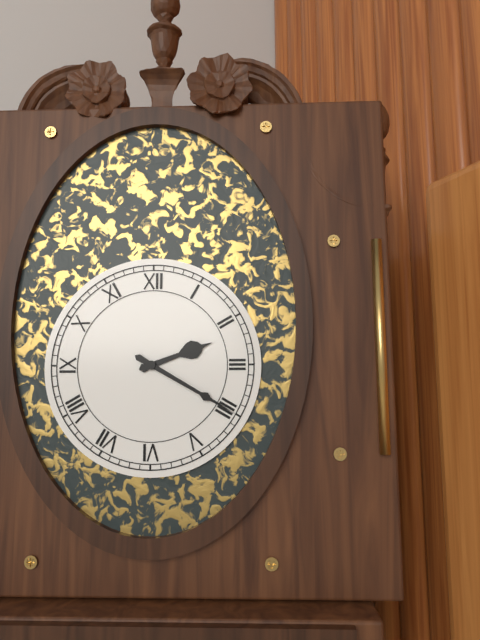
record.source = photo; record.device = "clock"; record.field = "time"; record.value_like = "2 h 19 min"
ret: 2 h 20 min
